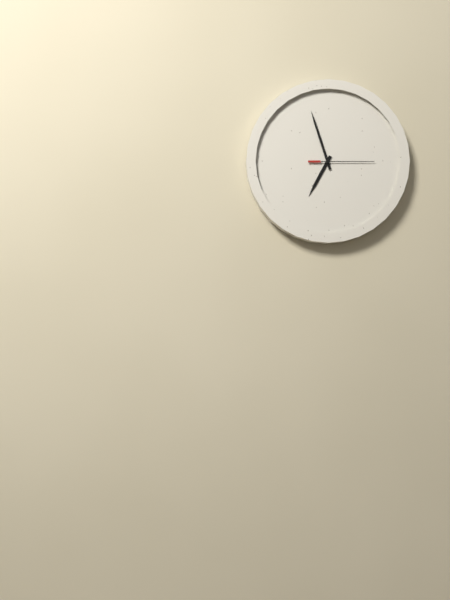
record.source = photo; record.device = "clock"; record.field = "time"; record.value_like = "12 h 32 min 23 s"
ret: 6 h 57 min 15 s
